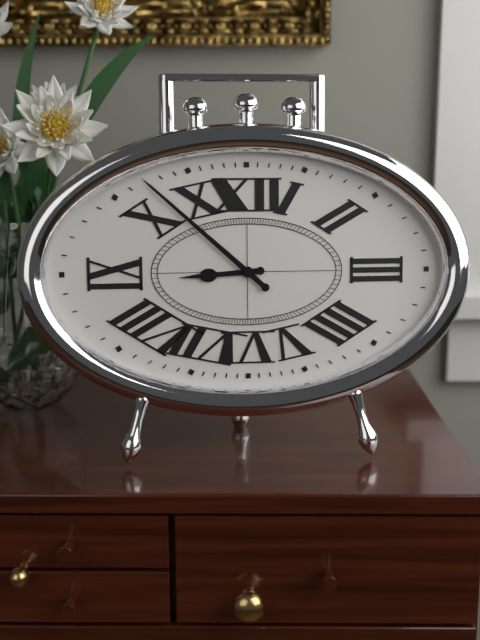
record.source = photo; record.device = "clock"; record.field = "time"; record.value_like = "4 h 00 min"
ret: 8 h 52 min
